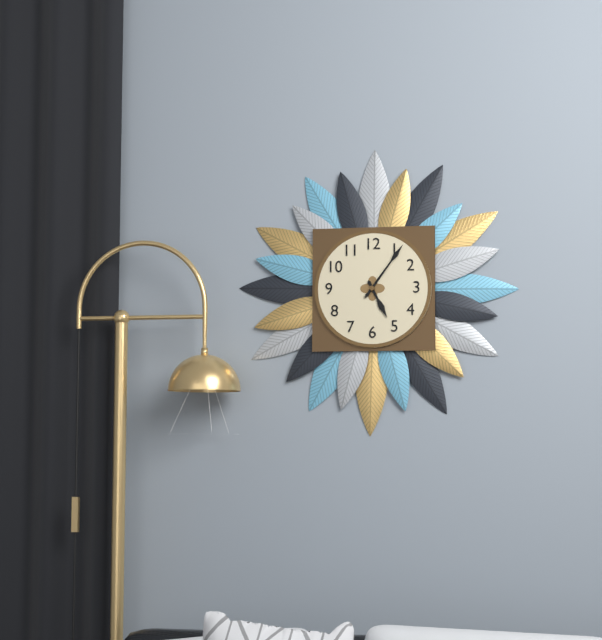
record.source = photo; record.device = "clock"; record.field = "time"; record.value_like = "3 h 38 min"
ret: 5 h 06 min
